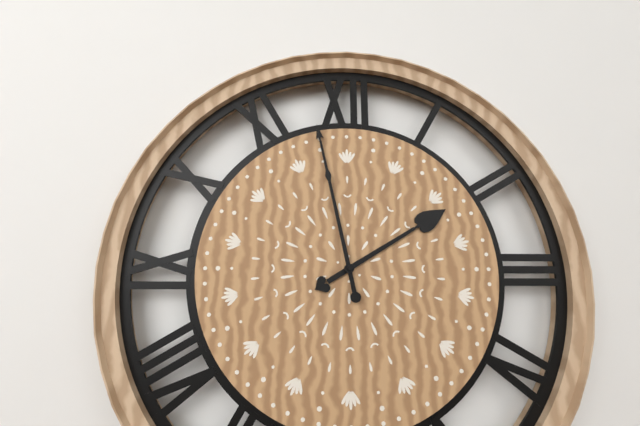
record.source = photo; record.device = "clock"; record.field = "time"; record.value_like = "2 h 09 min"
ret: 1 h 58 min
